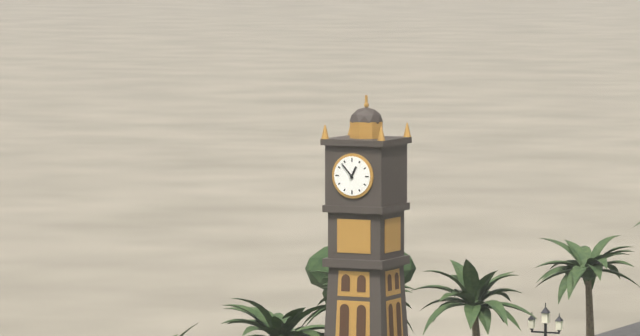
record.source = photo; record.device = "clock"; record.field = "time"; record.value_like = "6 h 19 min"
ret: 12 h 53 min
